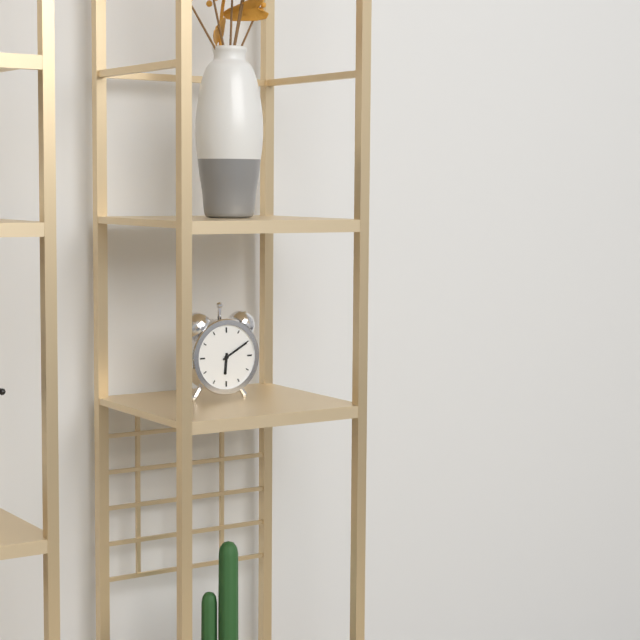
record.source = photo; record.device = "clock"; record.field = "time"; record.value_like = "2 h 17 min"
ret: 6 h 10 min
